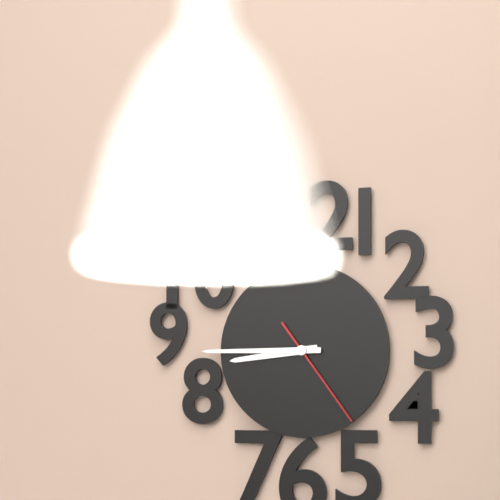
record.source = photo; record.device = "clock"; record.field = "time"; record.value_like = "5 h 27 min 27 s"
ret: 8 h 45 min 24 s
